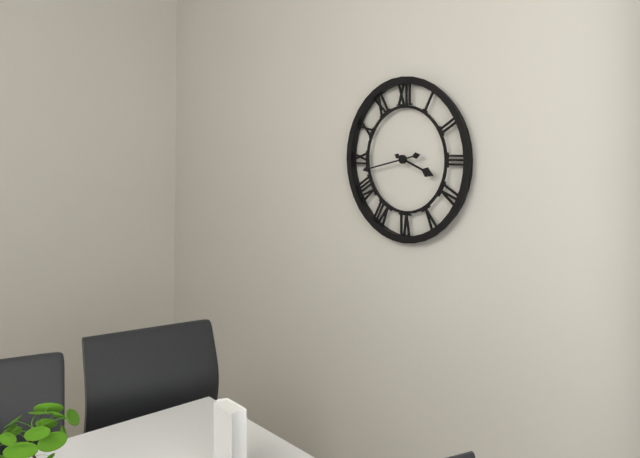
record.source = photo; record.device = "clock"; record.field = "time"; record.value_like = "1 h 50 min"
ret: 3 h 43 min
